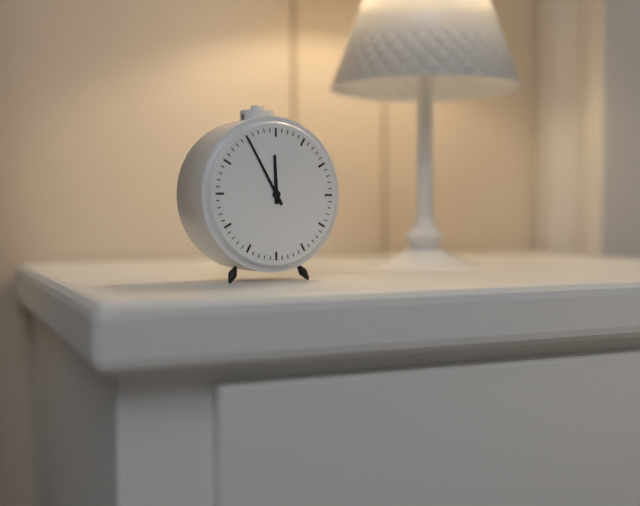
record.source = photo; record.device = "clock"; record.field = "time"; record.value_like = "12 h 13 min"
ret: 11 h 55 min
